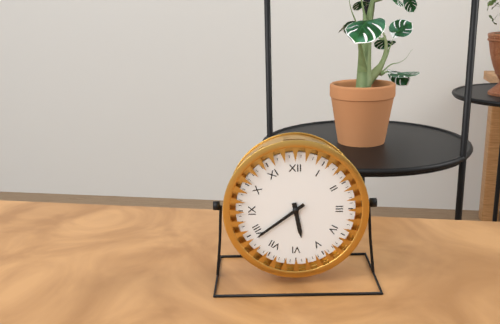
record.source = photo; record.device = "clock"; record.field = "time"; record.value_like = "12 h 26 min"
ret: 5 h 39 min
